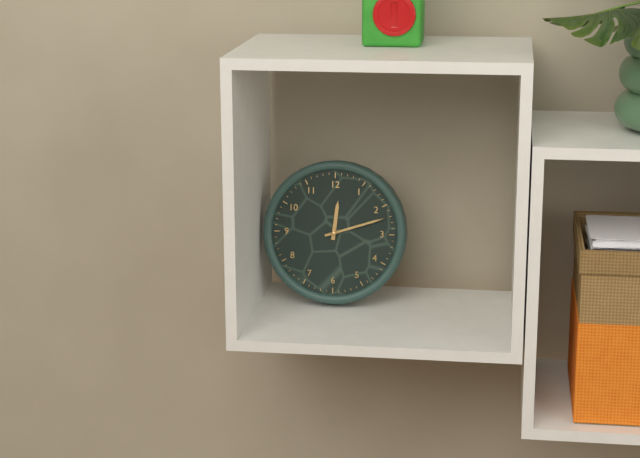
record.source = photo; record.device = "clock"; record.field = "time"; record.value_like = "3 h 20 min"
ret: 12 h 12 min
